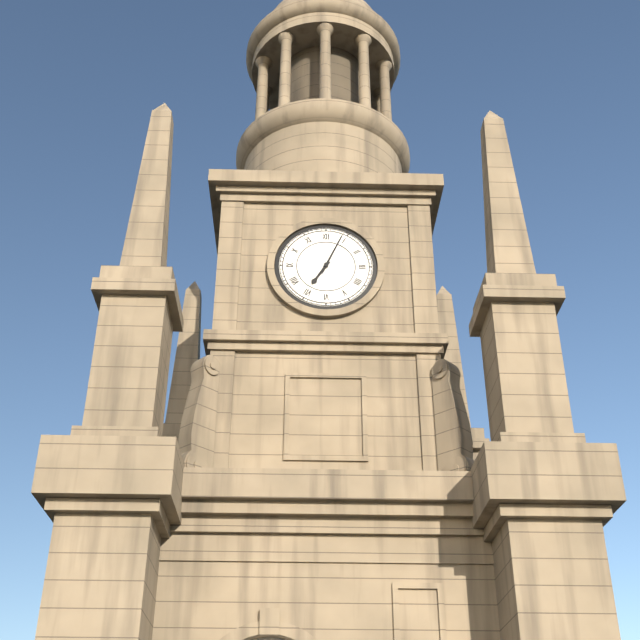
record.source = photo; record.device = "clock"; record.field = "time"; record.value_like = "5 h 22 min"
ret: 7 h 04 min
